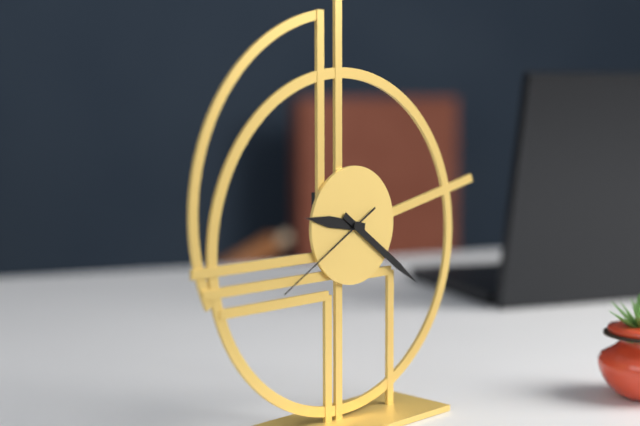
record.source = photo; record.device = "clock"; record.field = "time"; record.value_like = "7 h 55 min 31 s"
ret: 9 h 21 min 40 s
